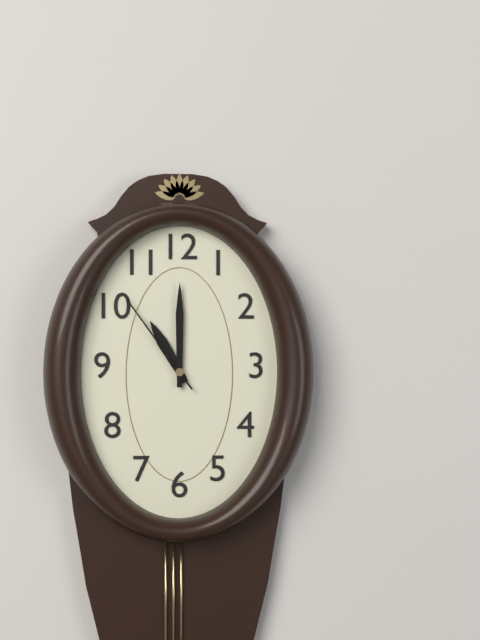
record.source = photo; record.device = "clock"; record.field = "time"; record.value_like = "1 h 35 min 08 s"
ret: 11 h 00 min 54 s
